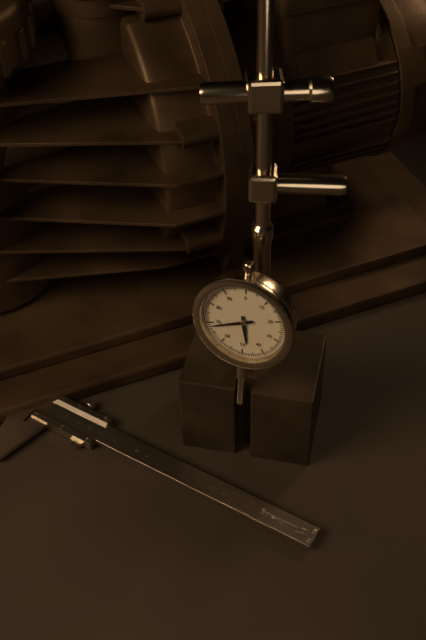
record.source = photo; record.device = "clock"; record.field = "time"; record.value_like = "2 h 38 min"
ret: 5 h 41 min
